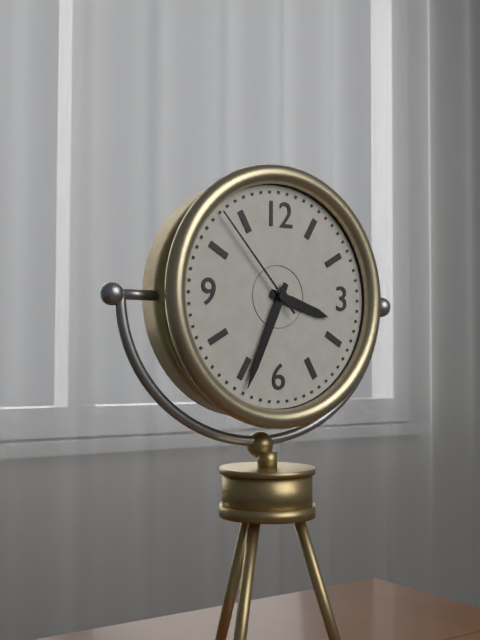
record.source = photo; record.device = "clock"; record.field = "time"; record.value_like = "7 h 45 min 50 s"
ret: 3 h 34 min 53 s
